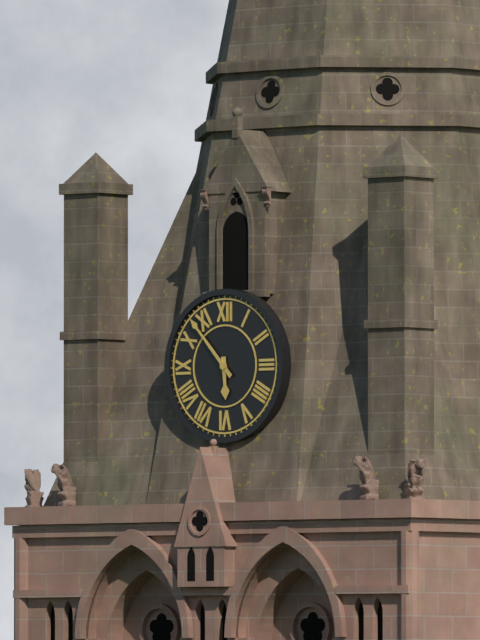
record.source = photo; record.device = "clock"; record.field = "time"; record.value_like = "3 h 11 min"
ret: 5 h 53 min
